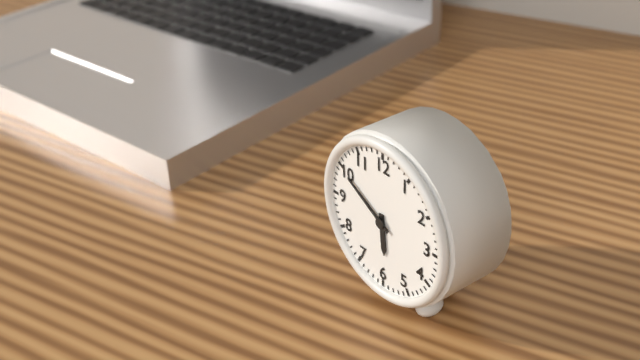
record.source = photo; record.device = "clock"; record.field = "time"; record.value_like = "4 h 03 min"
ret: 5 h 50 min
